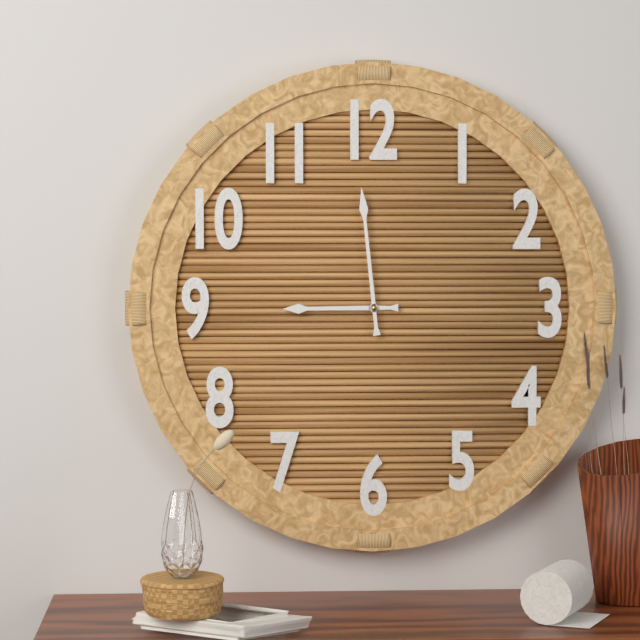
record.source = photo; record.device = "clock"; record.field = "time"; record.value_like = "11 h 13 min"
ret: 8 h 59 min
